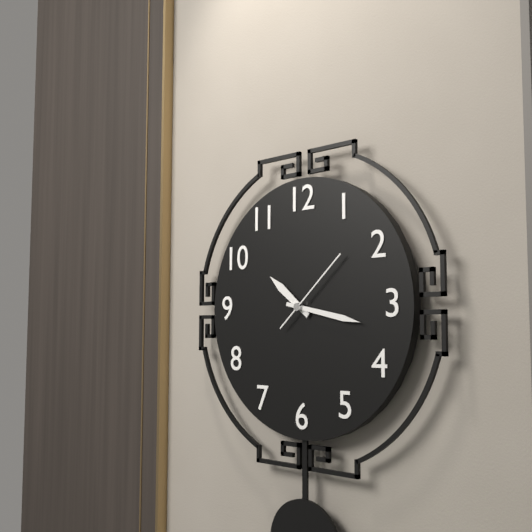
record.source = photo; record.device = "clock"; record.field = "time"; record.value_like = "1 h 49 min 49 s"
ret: 10 h 17 min 08 s
